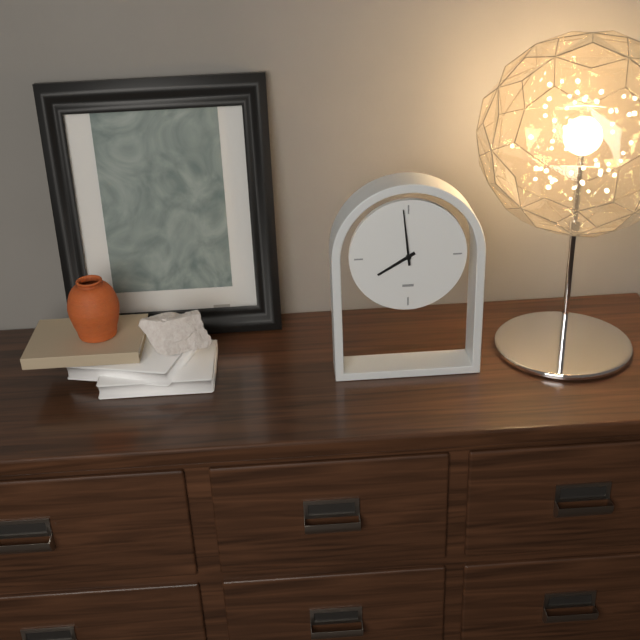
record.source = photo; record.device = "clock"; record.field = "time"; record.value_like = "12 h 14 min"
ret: 7 h 59 min
